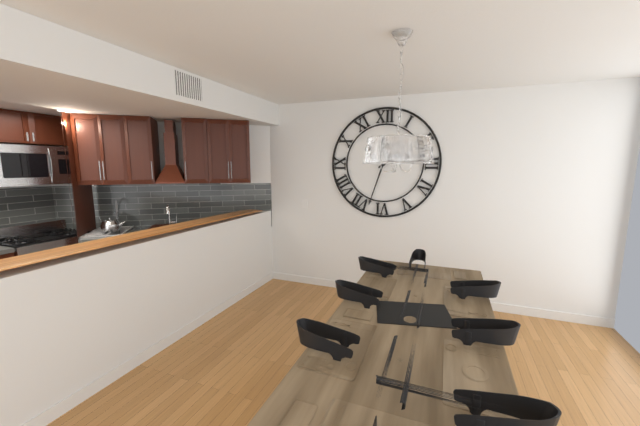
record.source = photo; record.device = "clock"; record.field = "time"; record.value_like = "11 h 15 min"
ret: 1 h 33 min
